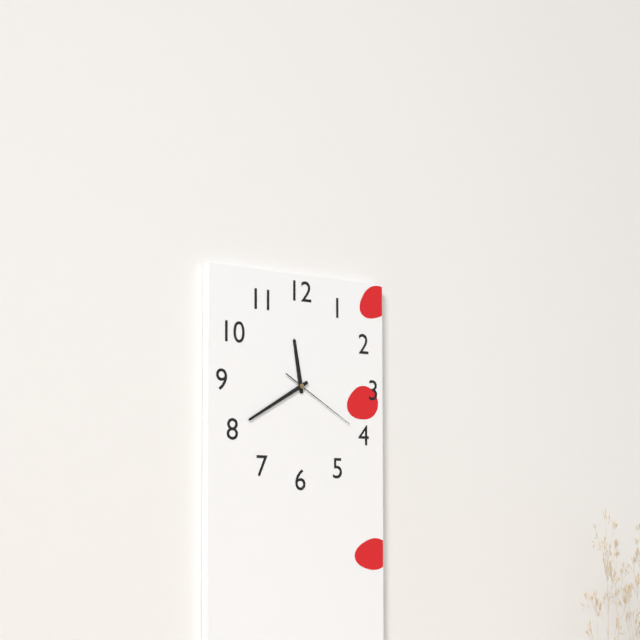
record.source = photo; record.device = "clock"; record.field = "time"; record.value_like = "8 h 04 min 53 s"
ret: 11 h 40 min 20 s
